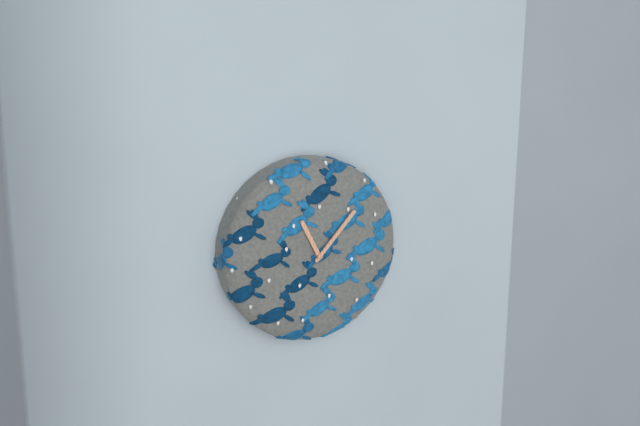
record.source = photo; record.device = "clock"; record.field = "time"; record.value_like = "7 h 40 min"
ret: 11 h 07 min
